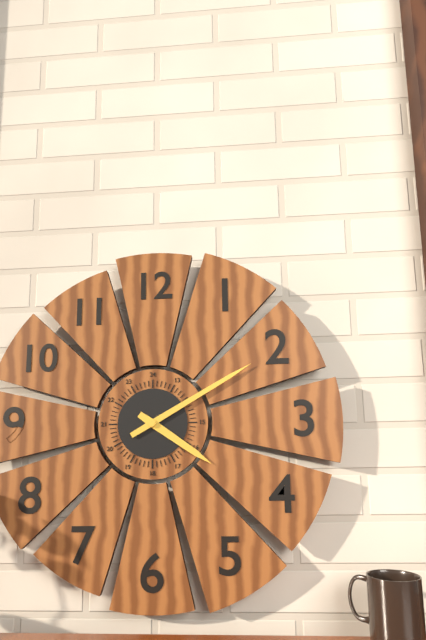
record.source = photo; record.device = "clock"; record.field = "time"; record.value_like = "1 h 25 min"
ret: 4 h 10 min
